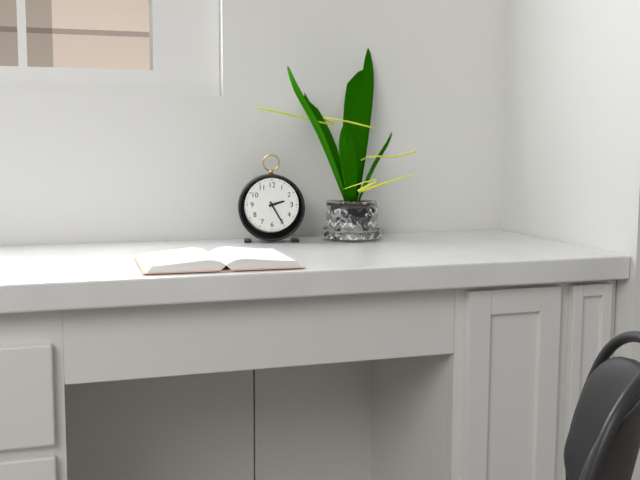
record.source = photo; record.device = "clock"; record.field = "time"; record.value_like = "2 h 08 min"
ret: 2 h 25 min
